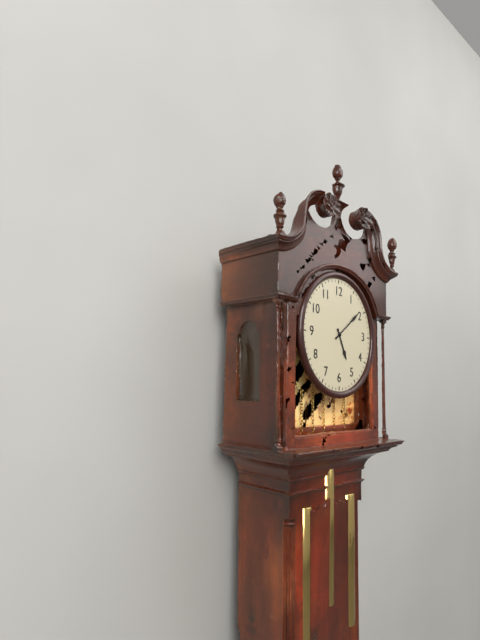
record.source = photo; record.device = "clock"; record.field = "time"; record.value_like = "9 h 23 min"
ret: 5 h 09 min
